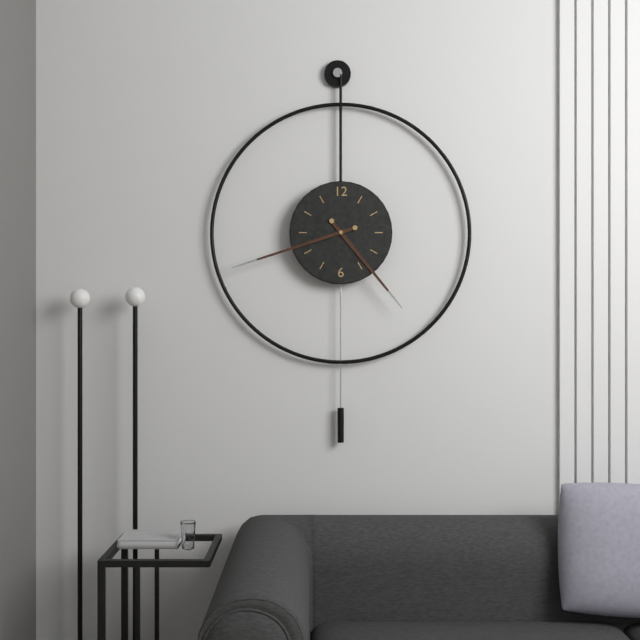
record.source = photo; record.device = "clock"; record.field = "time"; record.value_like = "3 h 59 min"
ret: 4 h 42 min
